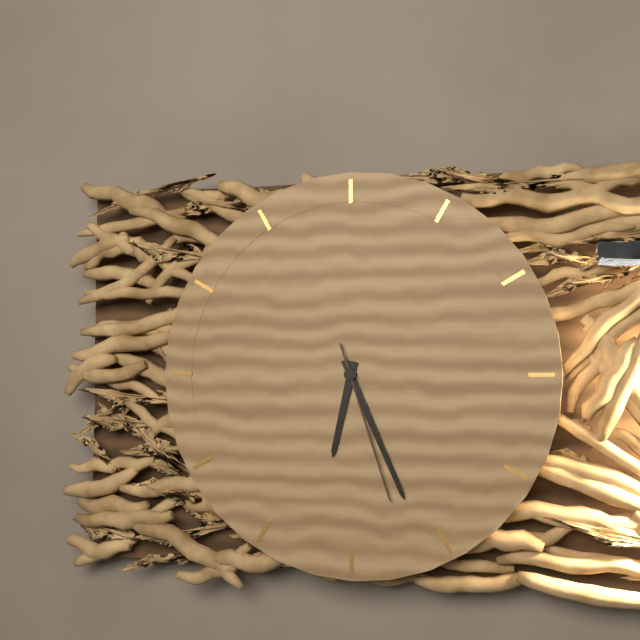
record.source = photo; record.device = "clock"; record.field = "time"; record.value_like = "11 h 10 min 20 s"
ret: 6 h 26 min 27 s
